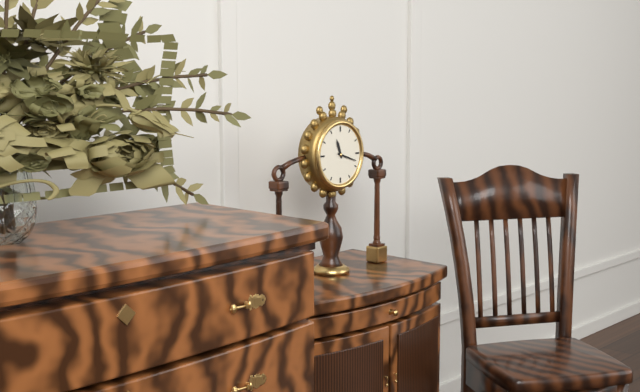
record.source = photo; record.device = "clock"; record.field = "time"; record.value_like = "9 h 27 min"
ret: 11 h 18 min
